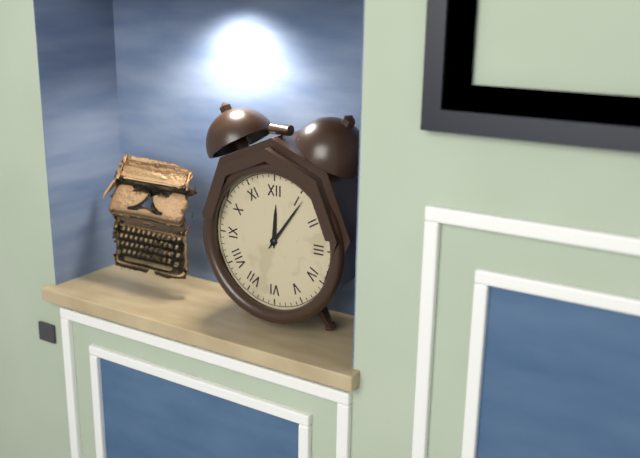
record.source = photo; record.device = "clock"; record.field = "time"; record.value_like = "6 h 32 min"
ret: 12 h 06 min
